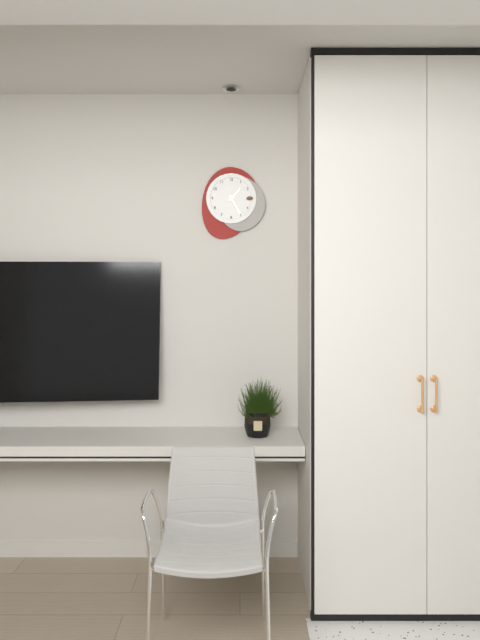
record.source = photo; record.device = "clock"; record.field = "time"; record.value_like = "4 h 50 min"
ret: 1 h 25 min
